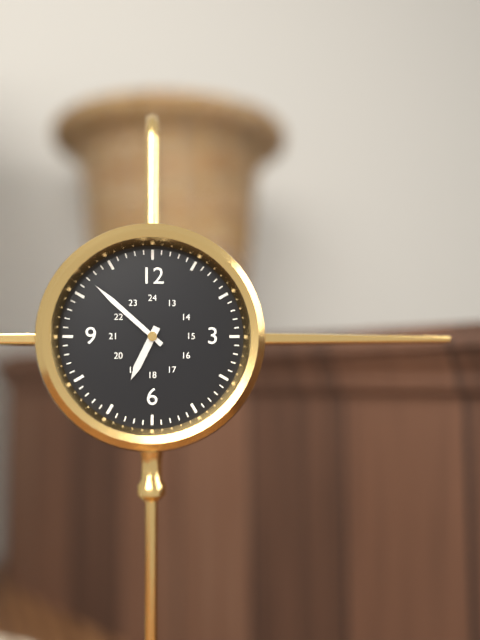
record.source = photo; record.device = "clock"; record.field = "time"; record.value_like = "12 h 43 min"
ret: 6 h 52 min
